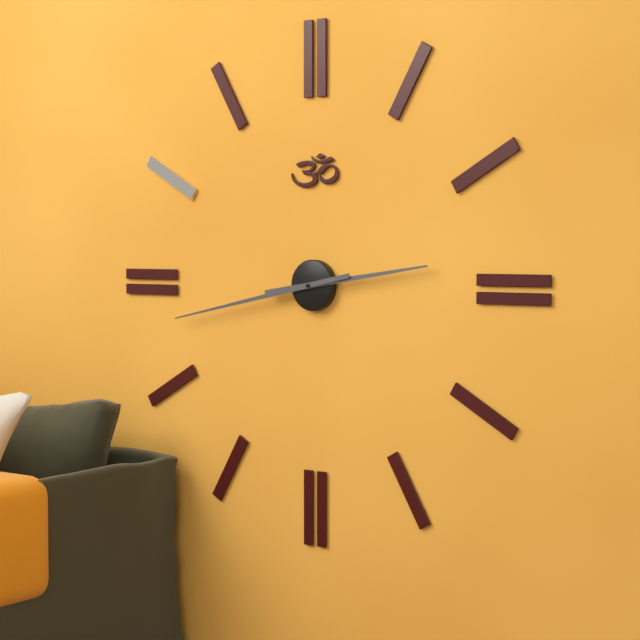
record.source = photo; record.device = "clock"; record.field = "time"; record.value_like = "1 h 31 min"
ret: 2 h 43 min
